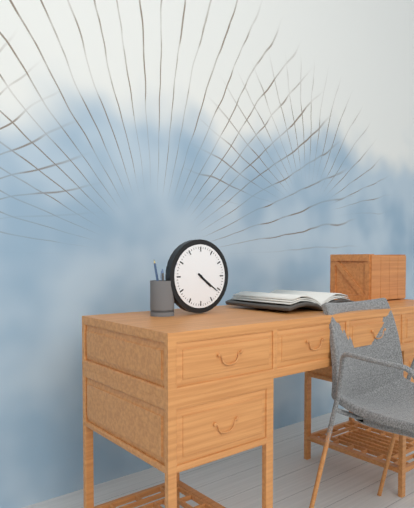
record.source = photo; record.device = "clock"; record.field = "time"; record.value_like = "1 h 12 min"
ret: 4 h 21 min
